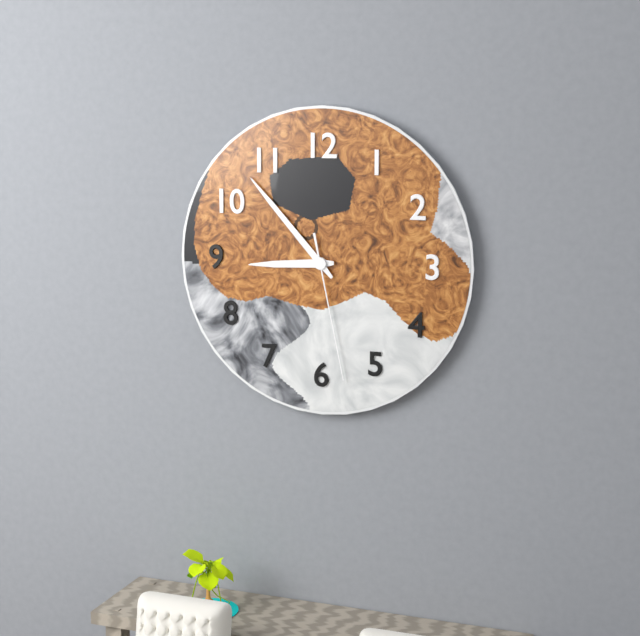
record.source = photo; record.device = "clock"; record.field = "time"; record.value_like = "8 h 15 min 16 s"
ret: 8 h 53 min 28 s
